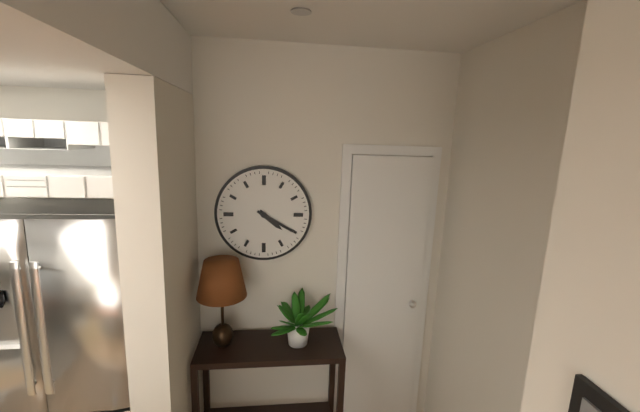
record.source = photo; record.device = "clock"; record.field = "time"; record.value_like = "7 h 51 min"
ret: 4 h 20 min
